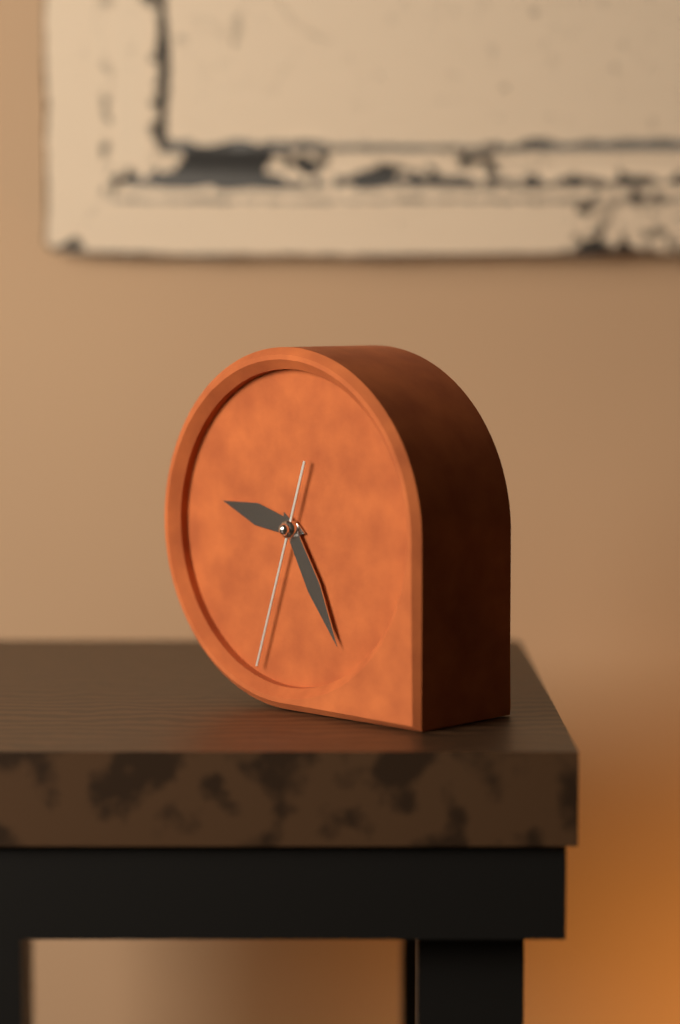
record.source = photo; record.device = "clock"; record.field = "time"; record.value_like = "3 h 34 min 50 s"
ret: 9 h 25 min 33 s
